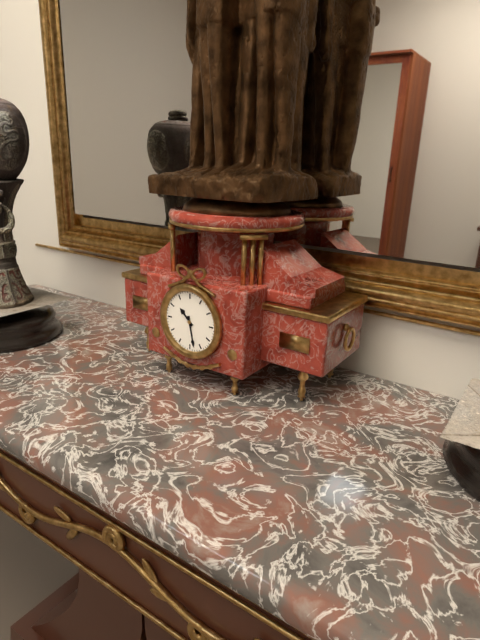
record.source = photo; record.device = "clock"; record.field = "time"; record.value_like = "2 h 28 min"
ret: 10 h 28 min
